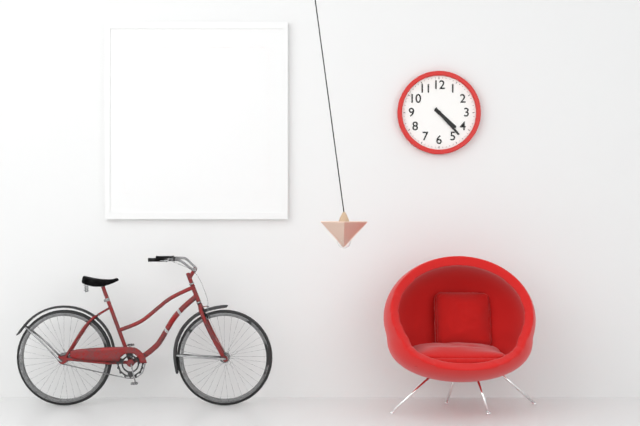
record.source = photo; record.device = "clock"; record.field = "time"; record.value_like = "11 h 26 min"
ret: 4 h 23 min
